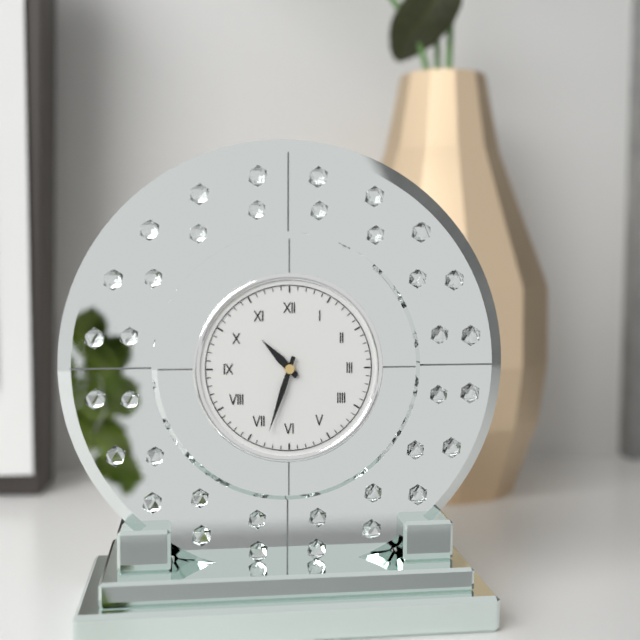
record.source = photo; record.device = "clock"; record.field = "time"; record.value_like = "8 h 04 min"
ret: 10 h 33 min
